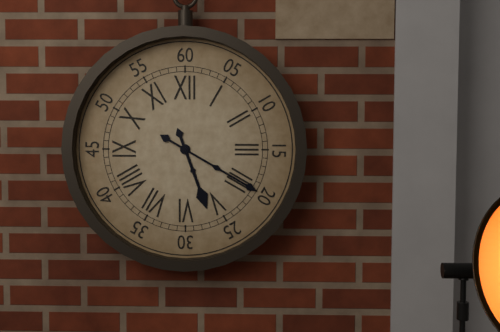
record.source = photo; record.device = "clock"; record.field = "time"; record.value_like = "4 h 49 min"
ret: 5 h 20 min
